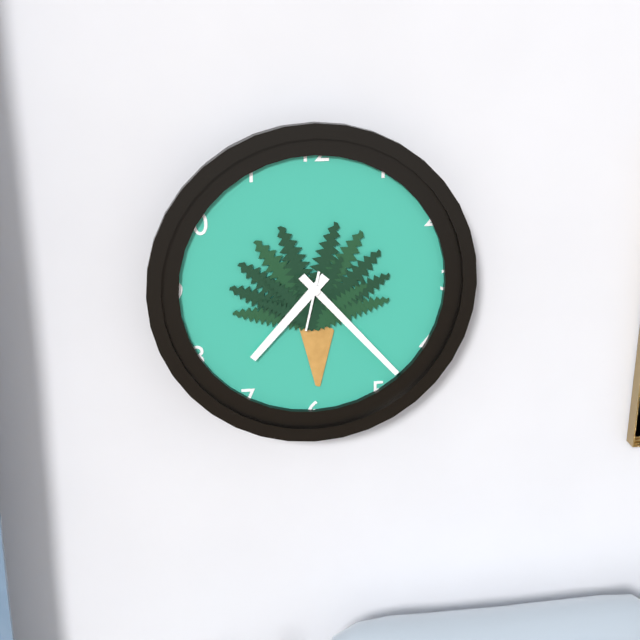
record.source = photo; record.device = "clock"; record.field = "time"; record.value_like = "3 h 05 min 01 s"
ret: 7 h 23 min 32 s
